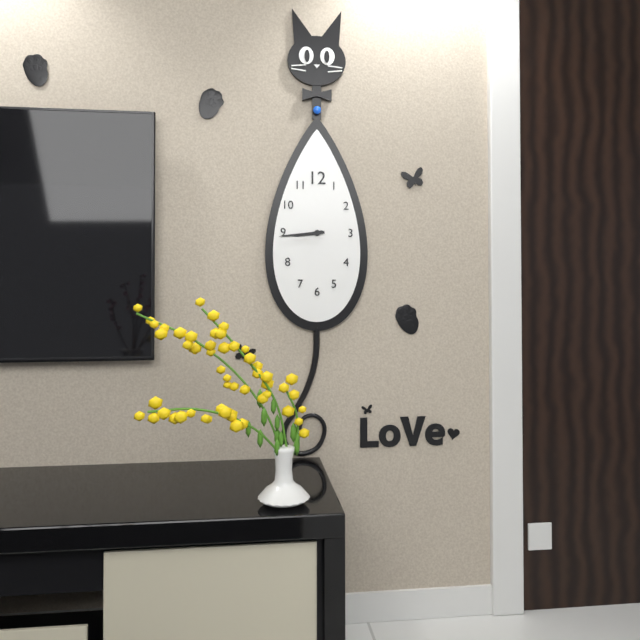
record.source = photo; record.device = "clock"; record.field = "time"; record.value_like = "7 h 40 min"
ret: 8 h 44 min
